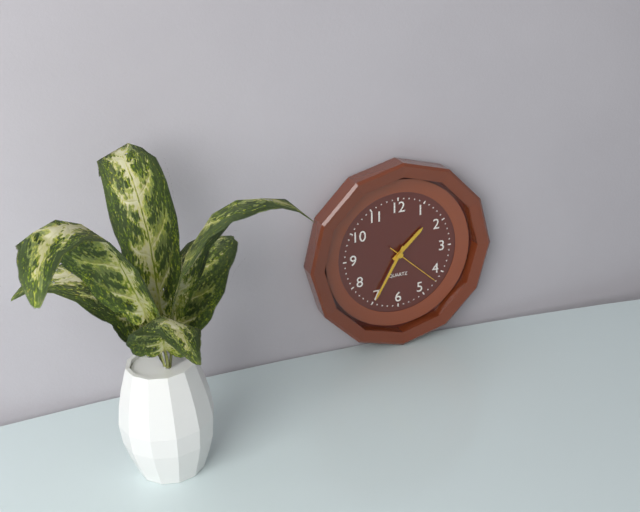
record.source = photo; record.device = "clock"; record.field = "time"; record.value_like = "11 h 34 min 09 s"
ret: 1 h 35 min 22 s
